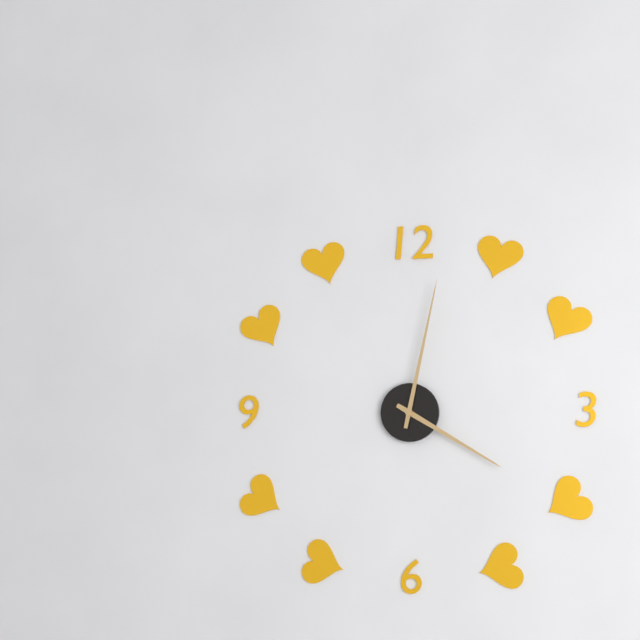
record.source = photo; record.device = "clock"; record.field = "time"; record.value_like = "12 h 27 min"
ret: 4 h 02 min
